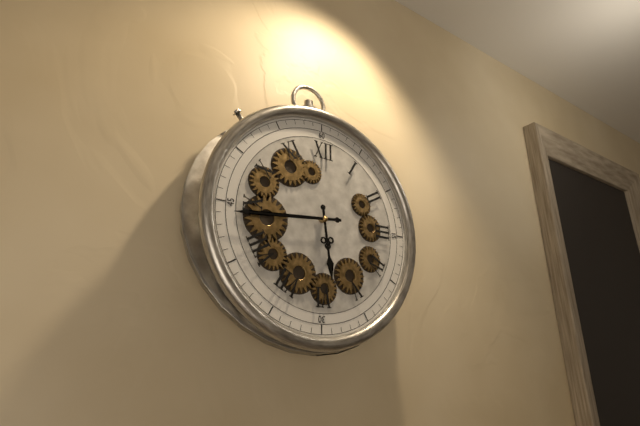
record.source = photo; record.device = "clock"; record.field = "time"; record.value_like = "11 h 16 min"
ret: 5 h 44 min
